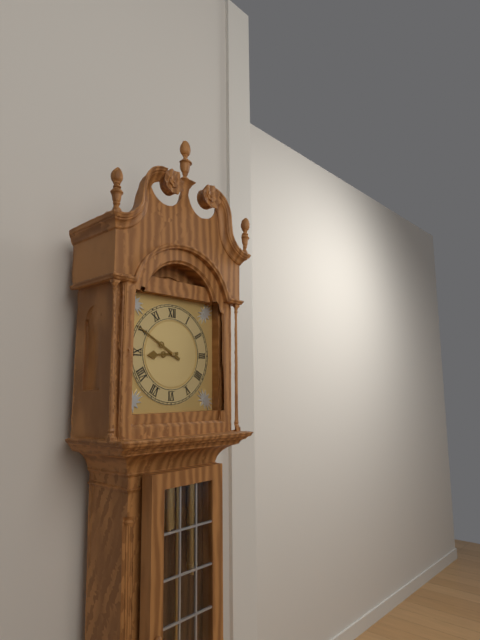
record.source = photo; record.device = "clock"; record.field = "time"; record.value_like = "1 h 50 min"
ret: 8 h 50 min
